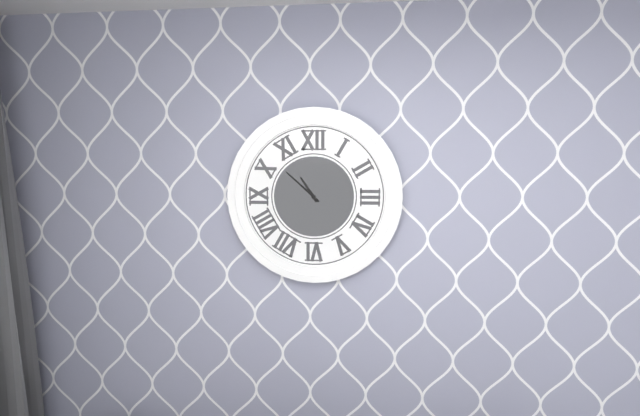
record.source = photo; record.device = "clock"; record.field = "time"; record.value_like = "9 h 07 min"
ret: 10 h 52 min
